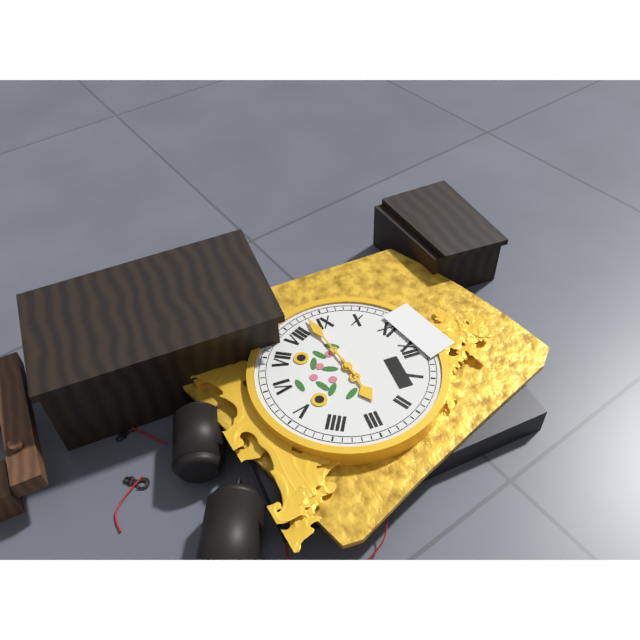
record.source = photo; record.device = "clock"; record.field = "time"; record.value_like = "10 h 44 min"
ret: 2 h 43 min
